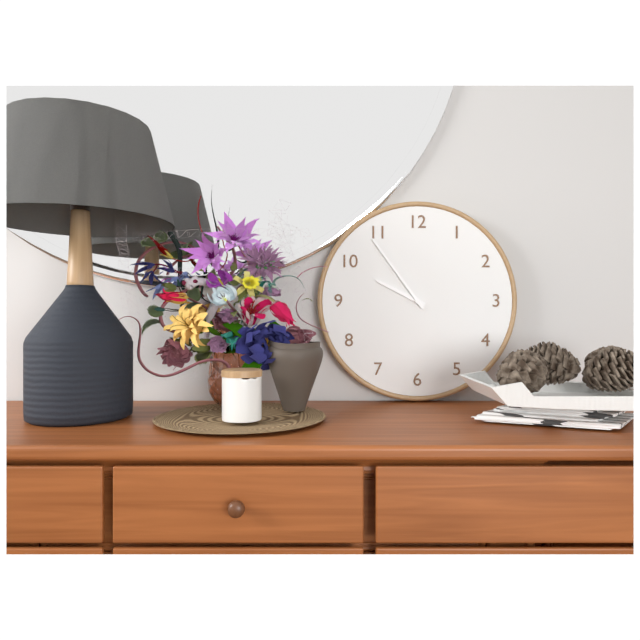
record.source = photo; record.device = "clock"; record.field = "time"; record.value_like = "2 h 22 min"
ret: 9 h 54 min
